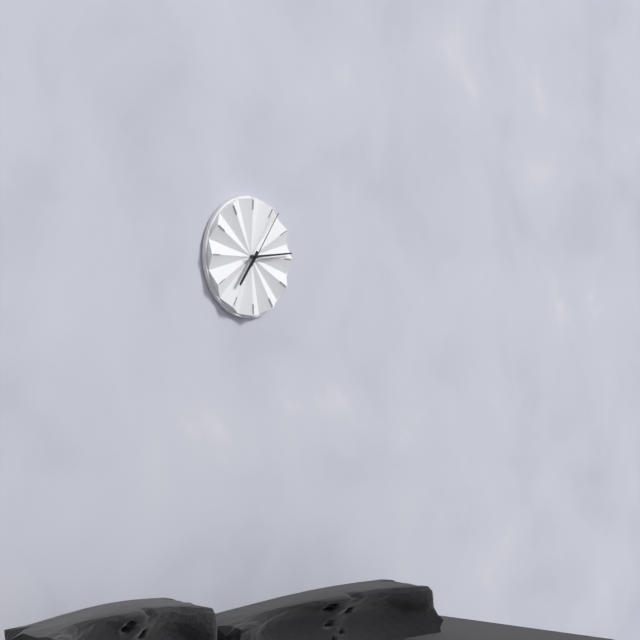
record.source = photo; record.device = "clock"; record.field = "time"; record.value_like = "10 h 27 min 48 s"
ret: 7 h 14 min 06 s
